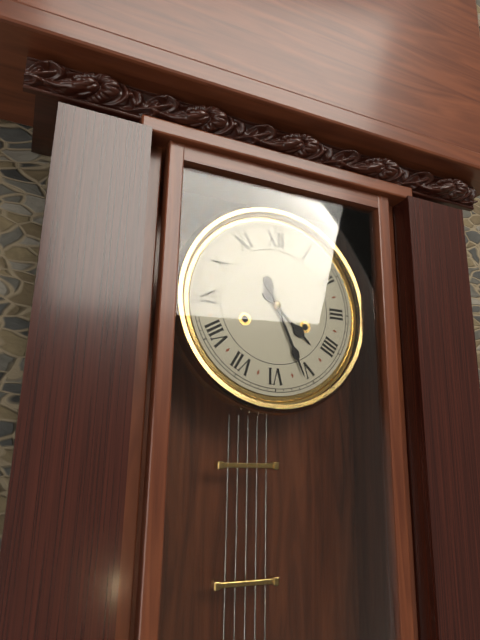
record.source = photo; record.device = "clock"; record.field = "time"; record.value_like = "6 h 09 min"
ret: 4 h 26 min
